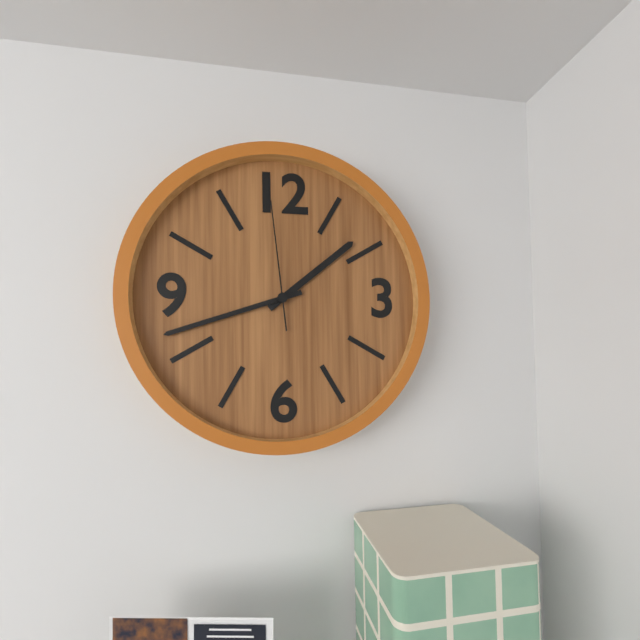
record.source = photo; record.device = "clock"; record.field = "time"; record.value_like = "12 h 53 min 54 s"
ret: 1 h 42 min 59 s
